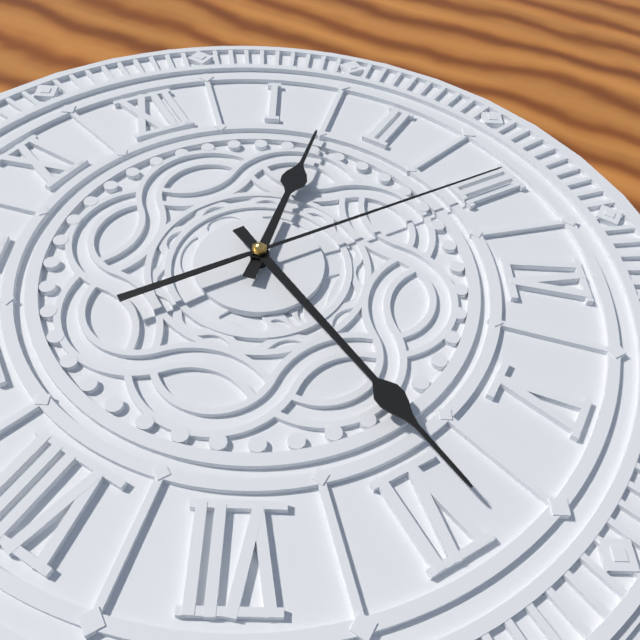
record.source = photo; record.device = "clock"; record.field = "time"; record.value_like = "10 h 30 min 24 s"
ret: 1 h 29 min 15 s
